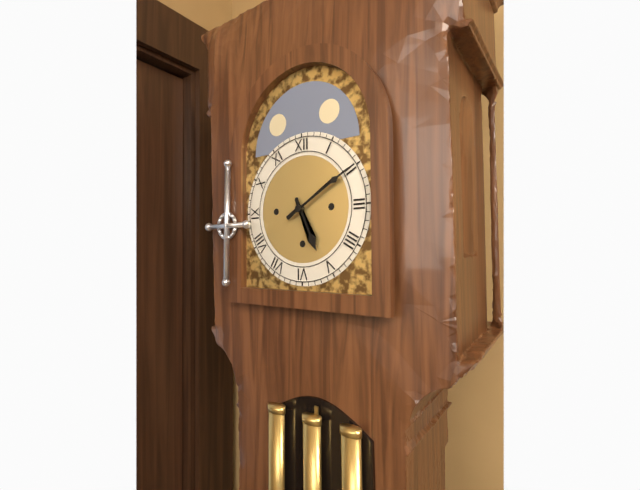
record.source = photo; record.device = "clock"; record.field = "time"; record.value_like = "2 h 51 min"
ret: 5 h 10 min
